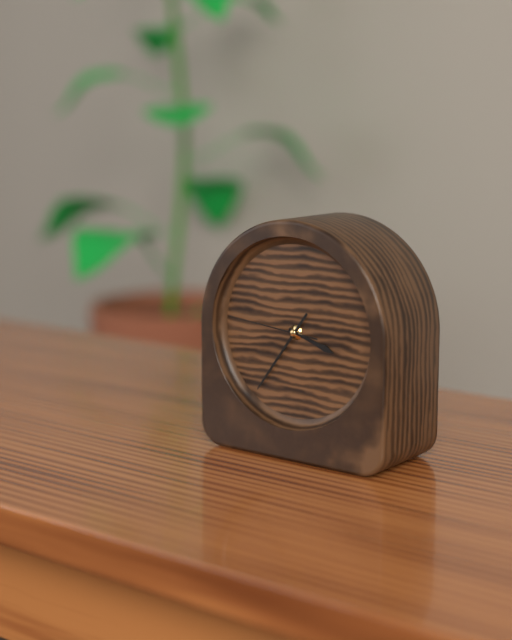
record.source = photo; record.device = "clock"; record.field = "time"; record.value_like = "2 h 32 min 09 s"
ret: 3 h 36 min 46 s
